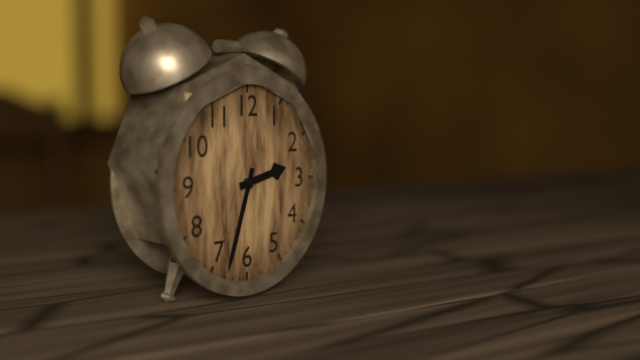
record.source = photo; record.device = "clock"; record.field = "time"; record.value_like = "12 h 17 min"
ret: 2 h 33 min
